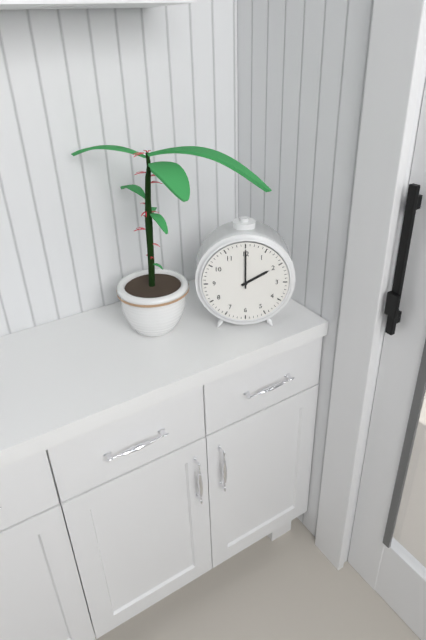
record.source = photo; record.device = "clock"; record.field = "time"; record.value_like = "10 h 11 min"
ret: 2 h 00 min
